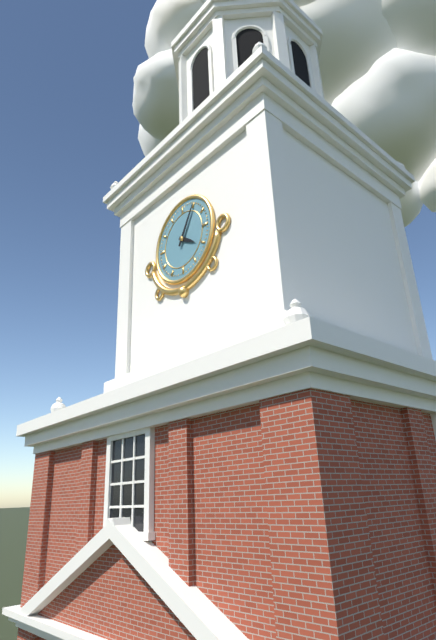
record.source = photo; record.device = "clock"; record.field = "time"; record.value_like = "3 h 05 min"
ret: 4 h 05 min
